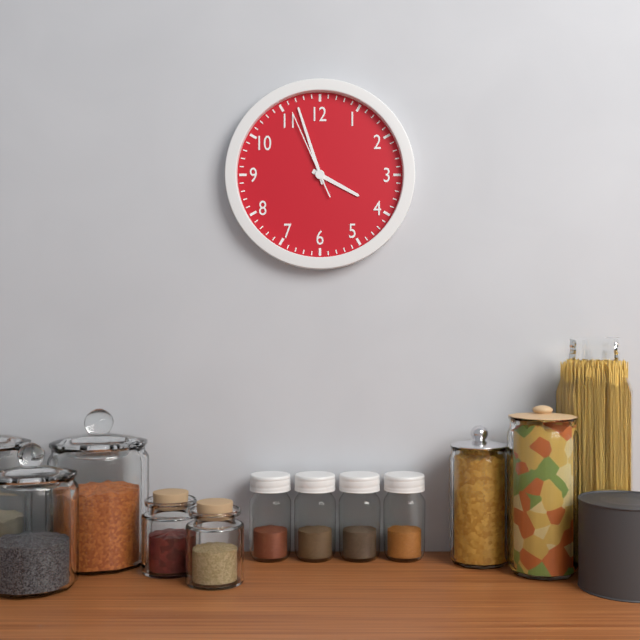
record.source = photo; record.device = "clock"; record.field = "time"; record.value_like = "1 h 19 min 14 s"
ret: 3 h 57 min 56 s
